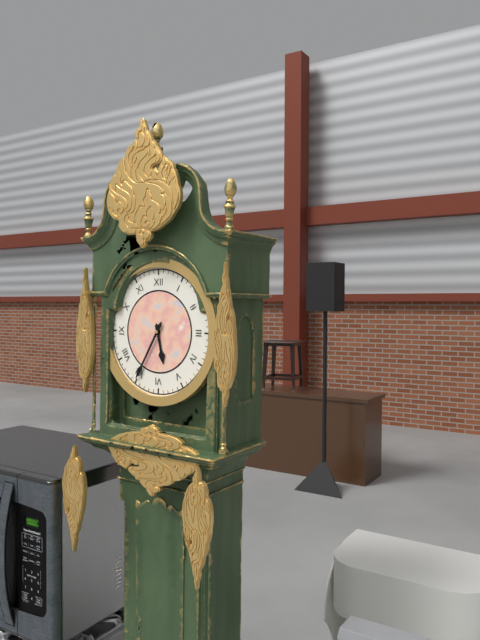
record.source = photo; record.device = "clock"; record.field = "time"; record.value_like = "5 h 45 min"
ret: 5 h 35 min
